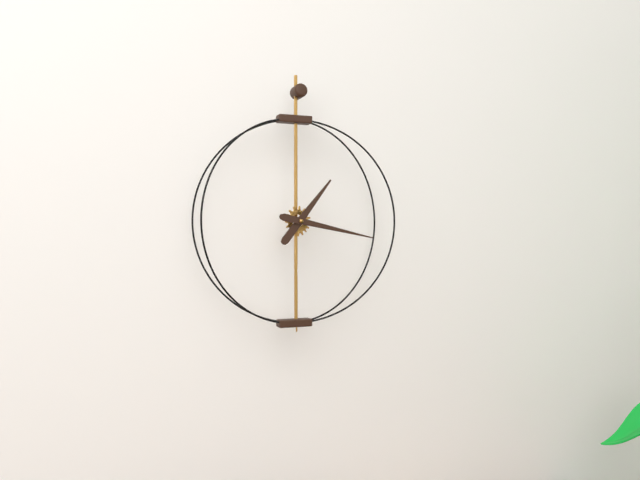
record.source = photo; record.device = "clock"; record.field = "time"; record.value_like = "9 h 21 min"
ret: 1 h 17 min
